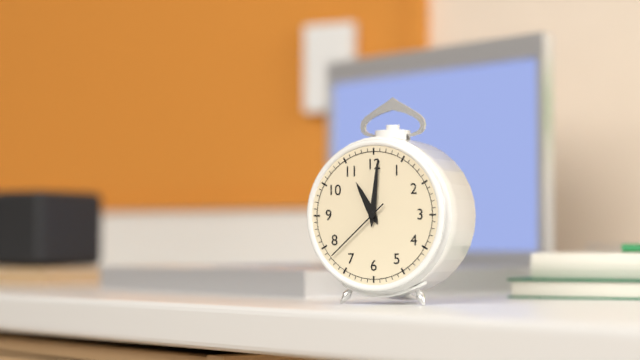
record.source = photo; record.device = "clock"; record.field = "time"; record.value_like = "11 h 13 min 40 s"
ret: 11 h 01 min 38 s
